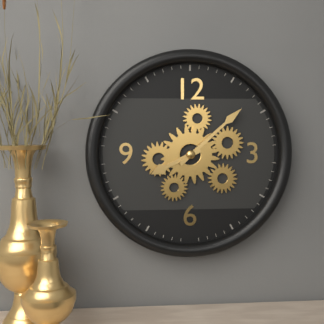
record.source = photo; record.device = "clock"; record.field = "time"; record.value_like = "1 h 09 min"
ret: 8 h 08 min
